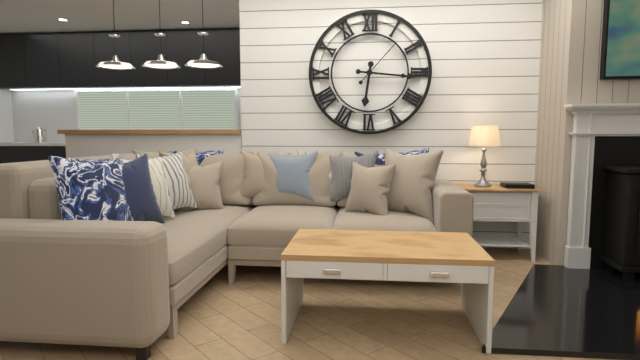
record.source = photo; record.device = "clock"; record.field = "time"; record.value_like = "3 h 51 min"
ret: 6 h 16 min
